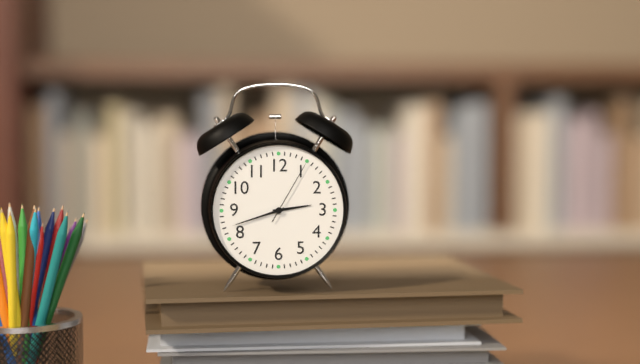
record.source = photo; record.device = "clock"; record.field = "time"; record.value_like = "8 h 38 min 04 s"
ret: 2 h 42 min 05 s
